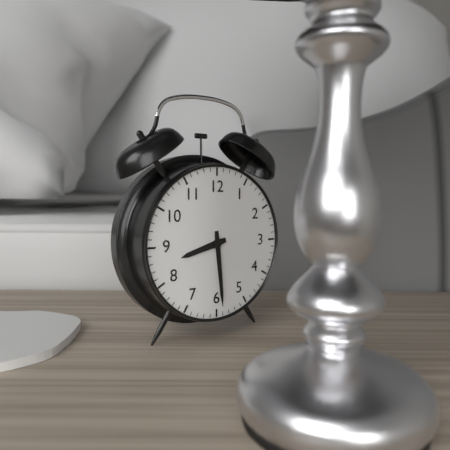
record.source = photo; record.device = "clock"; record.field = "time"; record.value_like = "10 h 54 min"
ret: 8 h 29 min
